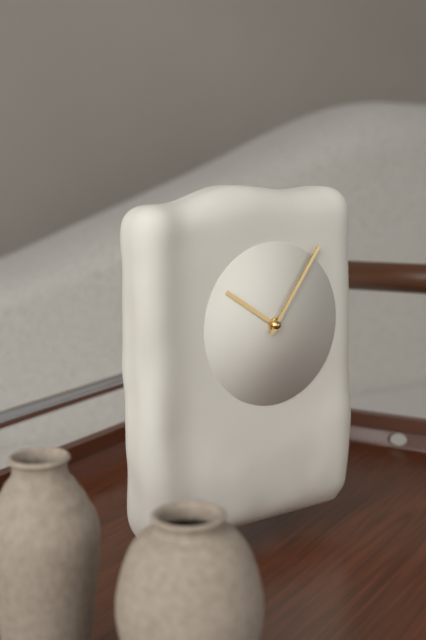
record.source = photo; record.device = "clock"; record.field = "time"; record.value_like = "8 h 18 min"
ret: 10 h 06 min
